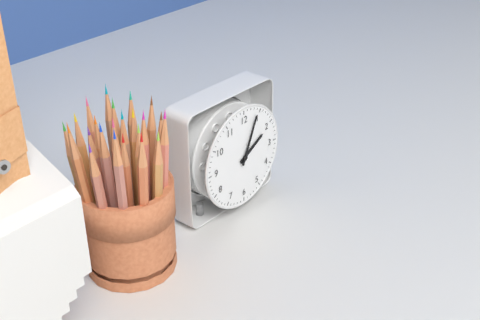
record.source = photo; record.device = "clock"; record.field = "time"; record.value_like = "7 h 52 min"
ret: 2 h 04 min
